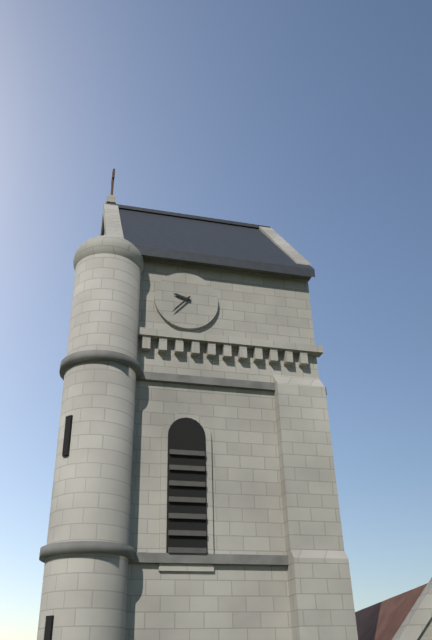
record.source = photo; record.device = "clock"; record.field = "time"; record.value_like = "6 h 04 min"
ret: 9 h 37 min
